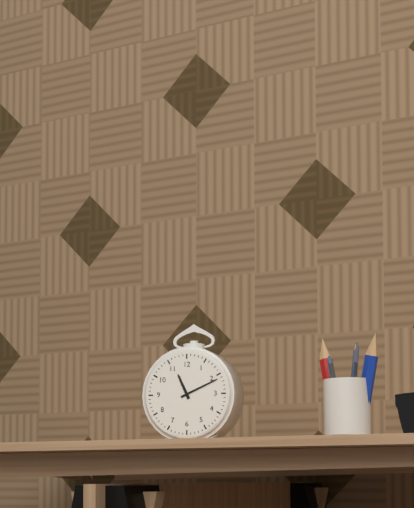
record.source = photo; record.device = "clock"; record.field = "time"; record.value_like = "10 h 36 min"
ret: 11 h 11 min
